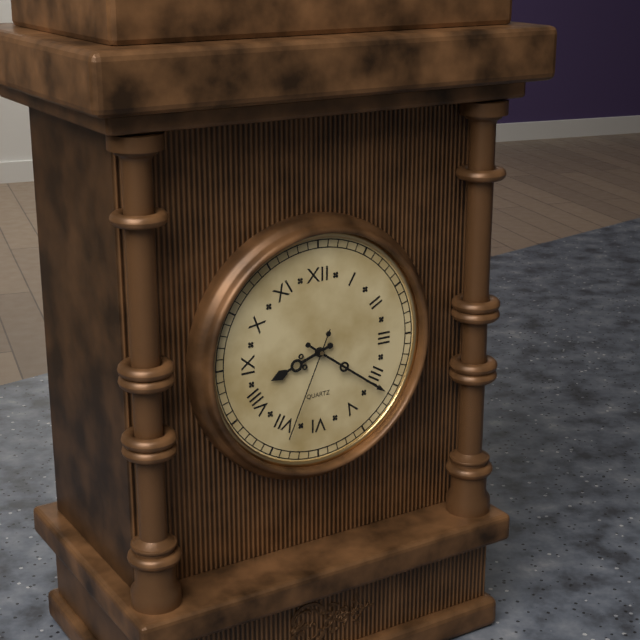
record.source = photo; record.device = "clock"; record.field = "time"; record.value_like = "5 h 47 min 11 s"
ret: 8 h 21 min 34 s
